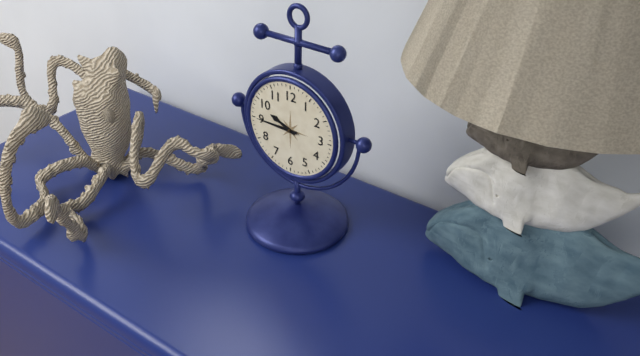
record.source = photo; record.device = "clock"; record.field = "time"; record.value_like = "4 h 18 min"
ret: 9 h 45 min
